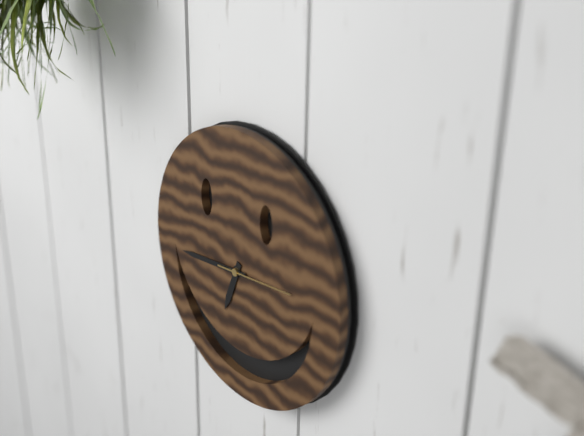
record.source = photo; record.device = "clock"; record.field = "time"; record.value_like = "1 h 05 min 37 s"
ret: 6 h 44 min 14 s
